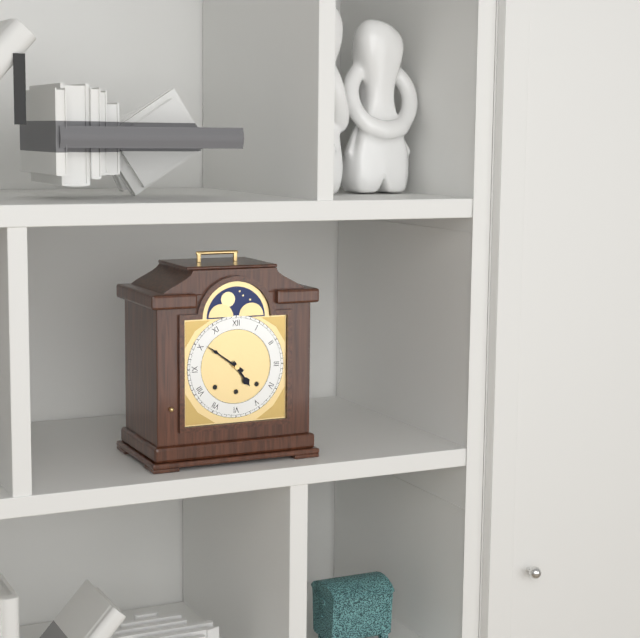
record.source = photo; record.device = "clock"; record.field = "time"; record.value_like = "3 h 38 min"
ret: 4 h 51 min
